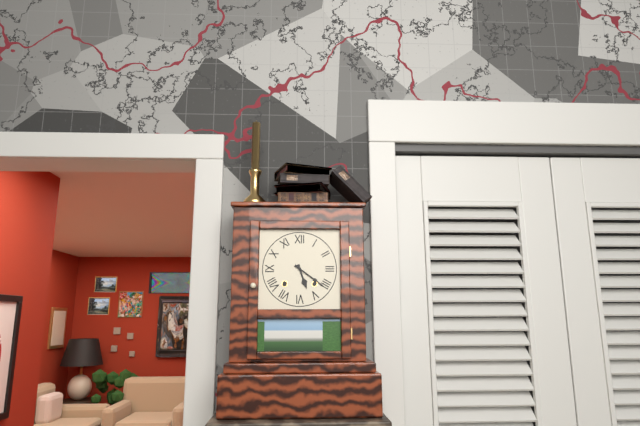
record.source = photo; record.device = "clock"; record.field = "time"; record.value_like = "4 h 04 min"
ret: 5 h 21 min
